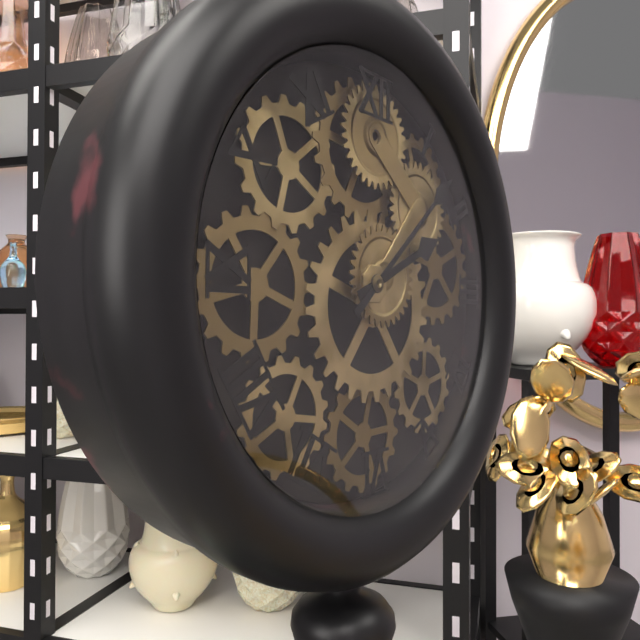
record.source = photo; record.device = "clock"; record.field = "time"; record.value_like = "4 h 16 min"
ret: 2 h 08 min
